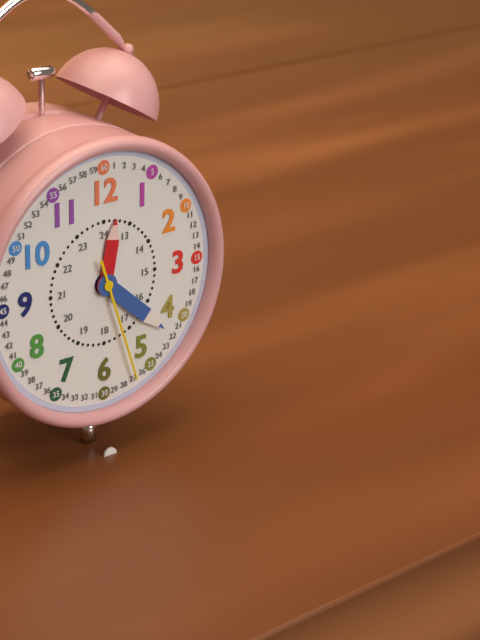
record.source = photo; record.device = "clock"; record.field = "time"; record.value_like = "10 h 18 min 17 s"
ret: 12 h 22 min 27 s
